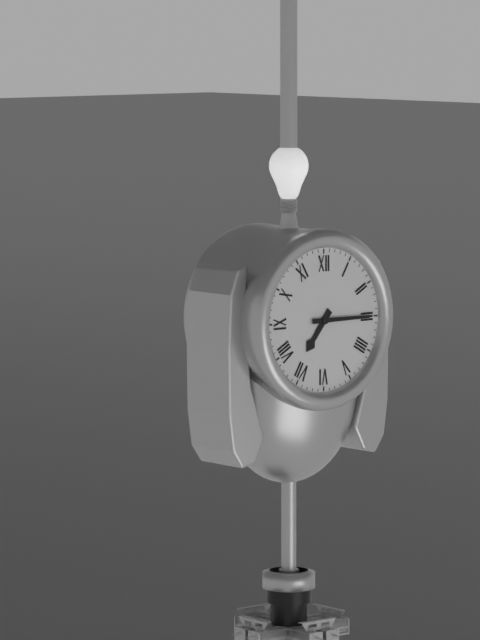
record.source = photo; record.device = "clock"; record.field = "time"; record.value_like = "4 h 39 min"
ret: 7 h 15 min
